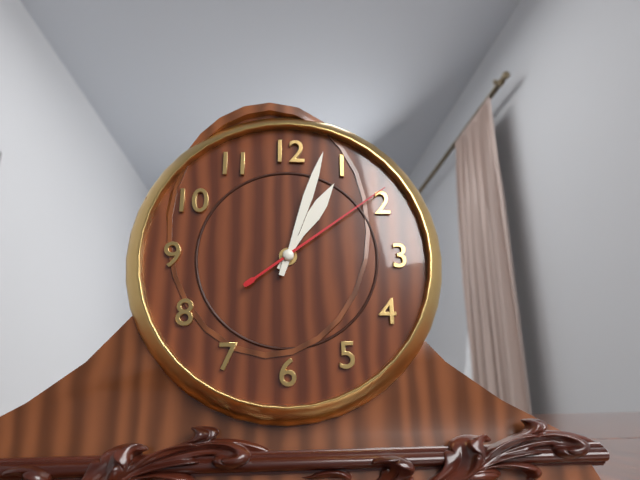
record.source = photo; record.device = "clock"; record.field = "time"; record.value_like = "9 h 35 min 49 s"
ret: 1 h 03 min 09 s
